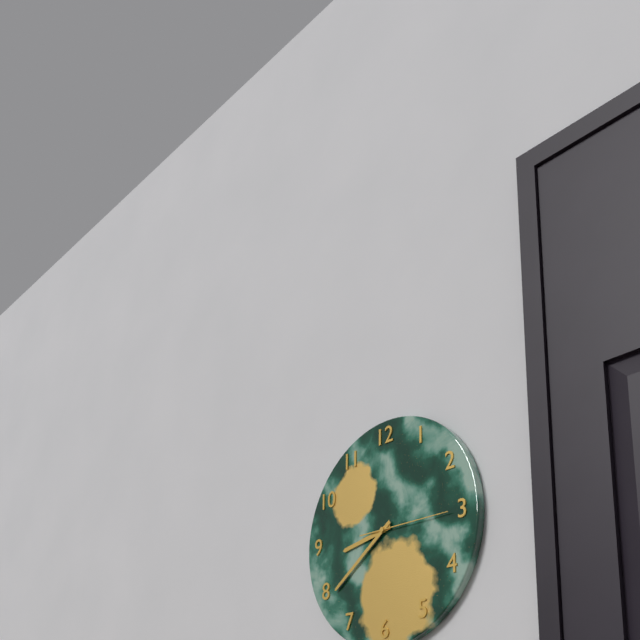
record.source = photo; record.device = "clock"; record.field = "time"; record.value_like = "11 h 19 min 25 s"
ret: 8 h 39 min 15 s
